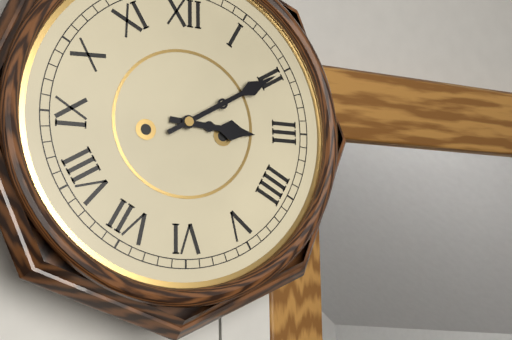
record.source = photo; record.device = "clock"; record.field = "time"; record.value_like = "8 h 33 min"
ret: 3 h 10 min
